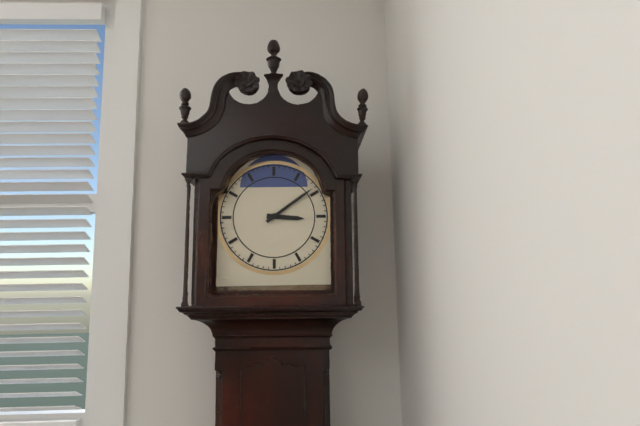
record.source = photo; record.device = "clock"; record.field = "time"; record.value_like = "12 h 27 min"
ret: 3 h 09 min
